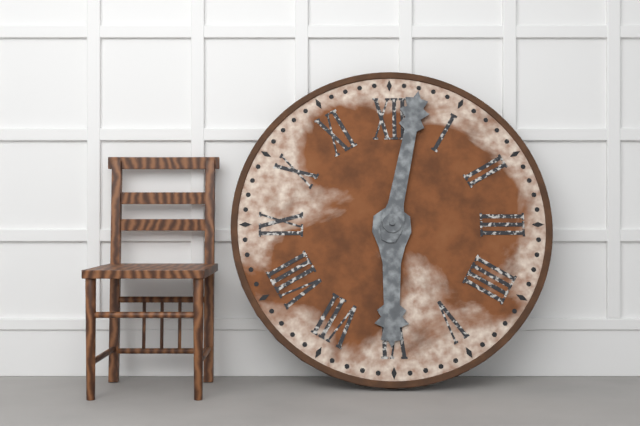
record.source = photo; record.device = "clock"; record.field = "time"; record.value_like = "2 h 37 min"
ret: 6 h 02 min
